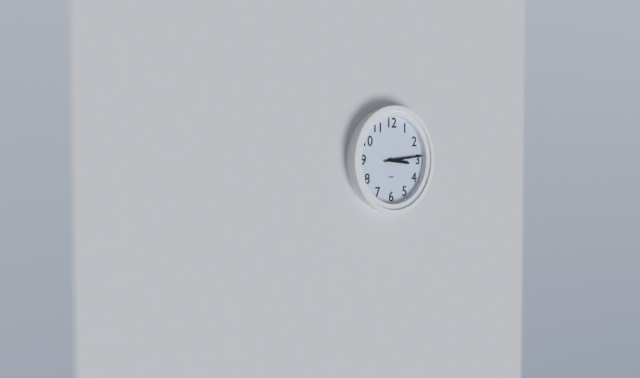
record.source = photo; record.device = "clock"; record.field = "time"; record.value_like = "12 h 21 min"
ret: 3 h 14 min
